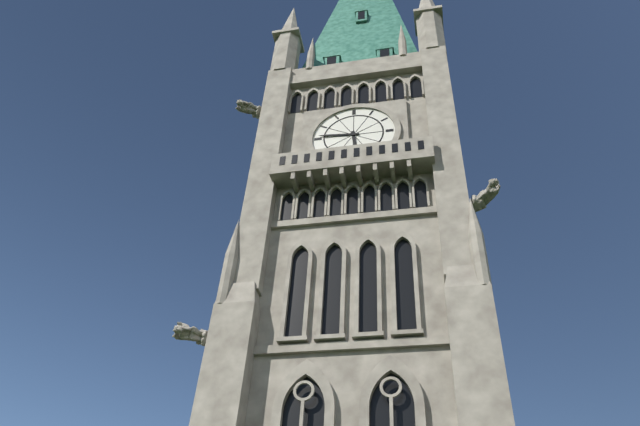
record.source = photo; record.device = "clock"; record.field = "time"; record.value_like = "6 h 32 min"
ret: 5 h 46 min
